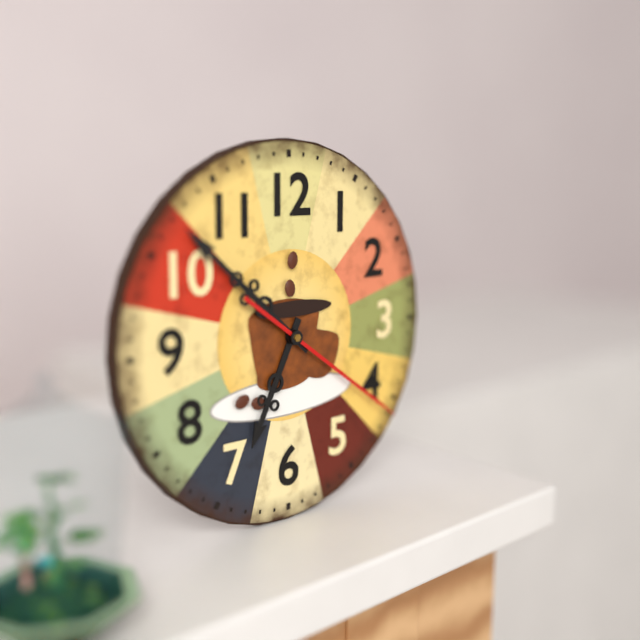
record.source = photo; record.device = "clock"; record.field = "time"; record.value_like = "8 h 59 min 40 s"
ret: 6 h 52 min 21 s
